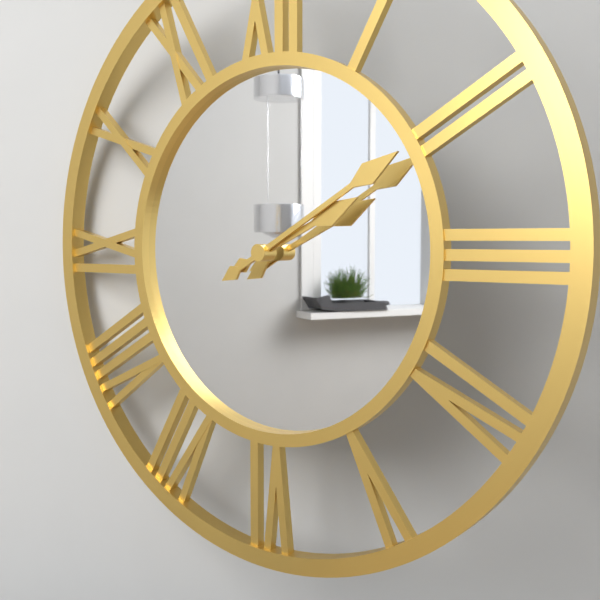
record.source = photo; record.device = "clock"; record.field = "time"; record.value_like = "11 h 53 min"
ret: 2 h 10 min
